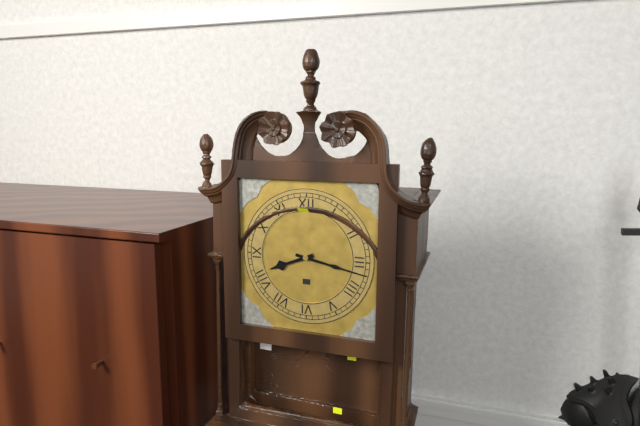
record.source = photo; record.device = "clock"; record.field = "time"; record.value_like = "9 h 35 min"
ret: 8 h 17 min
